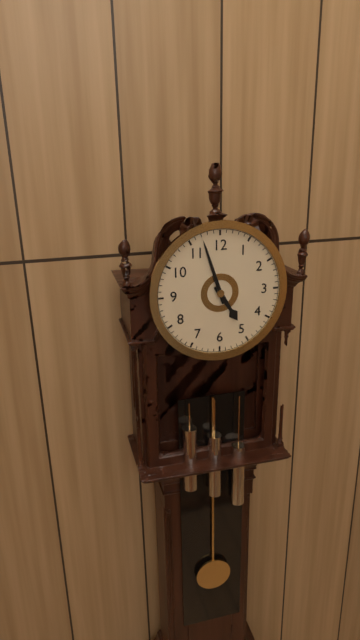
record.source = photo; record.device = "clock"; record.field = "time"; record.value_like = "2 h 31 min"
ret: 4 h 57 min
